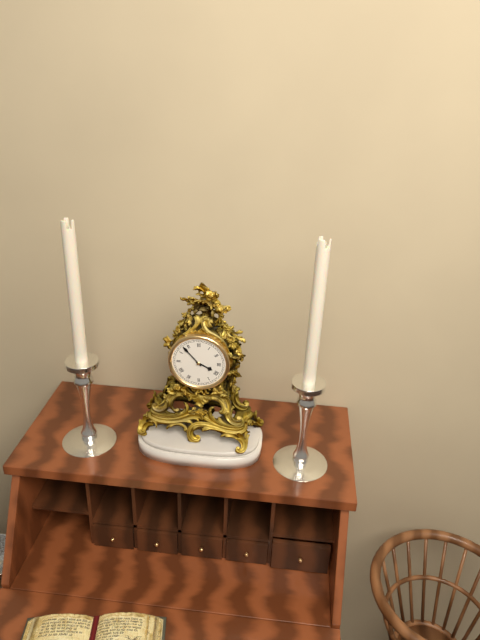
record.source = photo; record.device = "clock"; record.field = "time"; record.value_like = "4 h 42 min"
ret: 3 h 53 min
